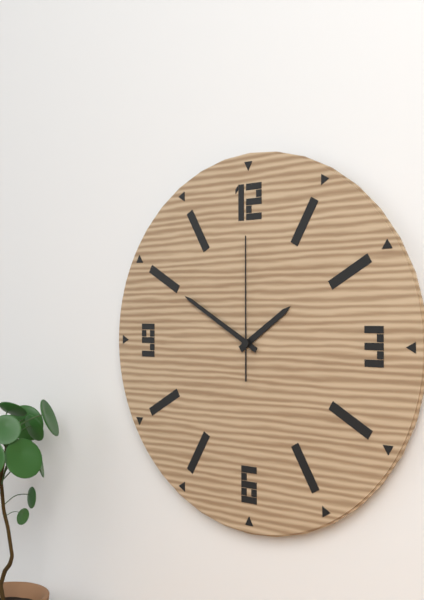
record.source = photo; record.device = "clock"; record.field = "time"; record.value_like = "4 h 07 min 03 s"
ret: 1 h 50 min 00 s
